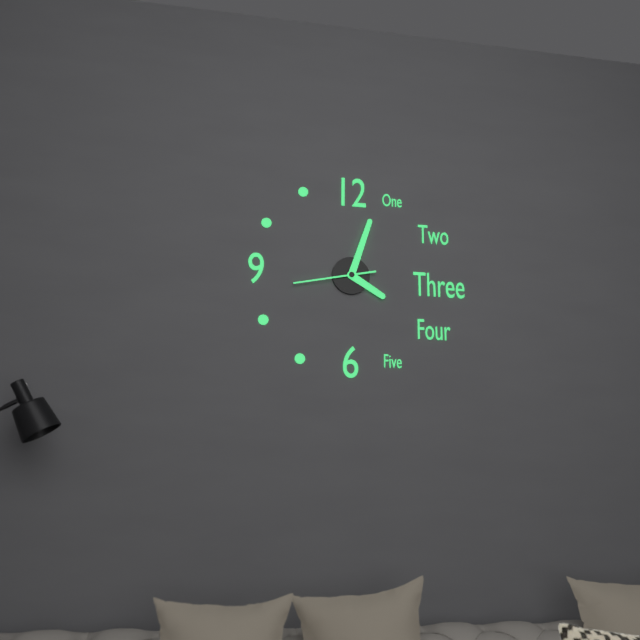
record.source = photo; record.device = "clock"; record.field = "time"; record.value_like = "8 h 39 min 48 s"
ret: 4 h 03 min 43 s
